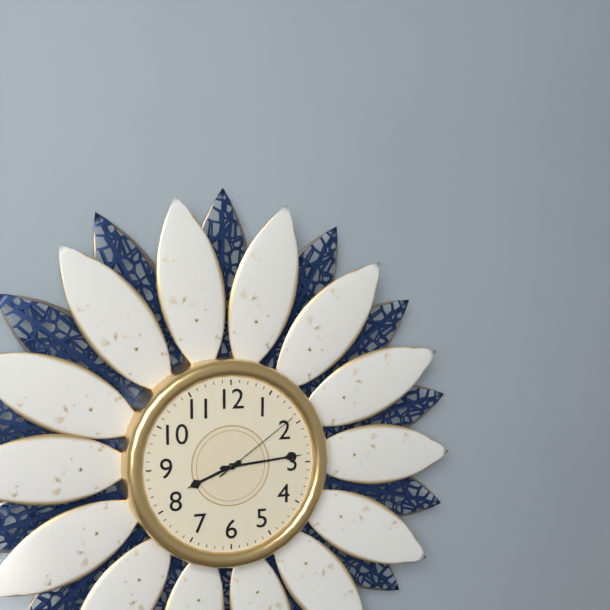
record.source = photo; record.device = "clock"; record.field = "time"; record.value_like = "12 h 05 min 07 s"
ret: 8 h 14 min 09 s
